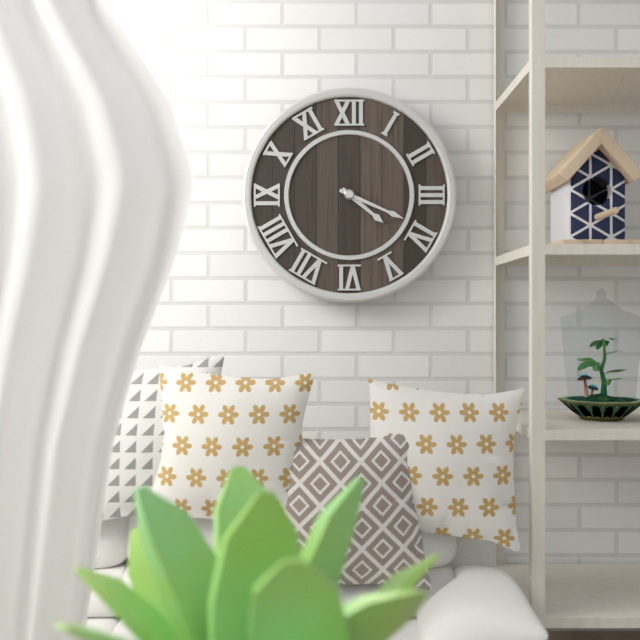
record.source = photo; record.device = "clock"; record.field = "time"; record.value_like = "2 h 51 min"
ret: 4 h 19 min
